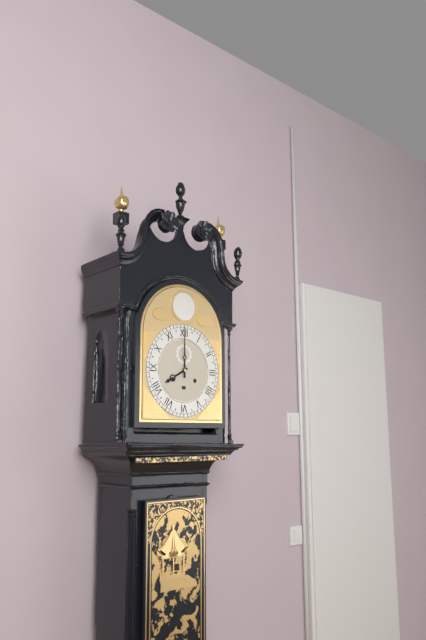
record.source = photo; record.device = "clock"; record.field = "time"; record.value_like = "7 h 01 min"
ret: 8 h 00 min
